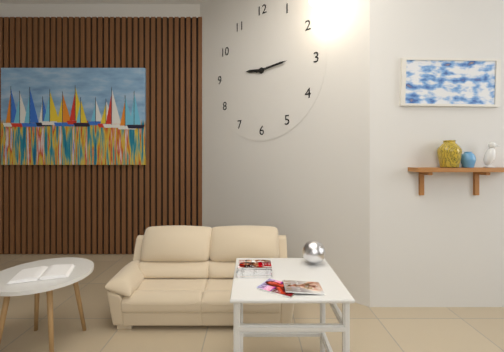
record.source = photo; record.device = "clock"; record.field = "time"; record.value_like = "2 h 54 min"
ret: 9 h 14 min
